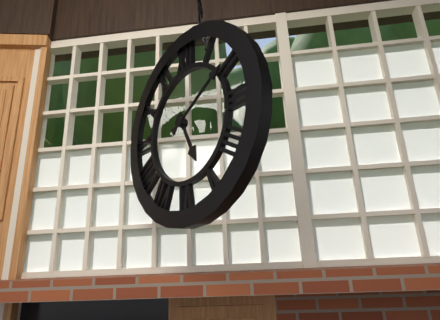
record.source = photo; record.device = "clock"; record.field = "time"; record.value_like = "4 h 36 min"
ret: 5 h 10 min
